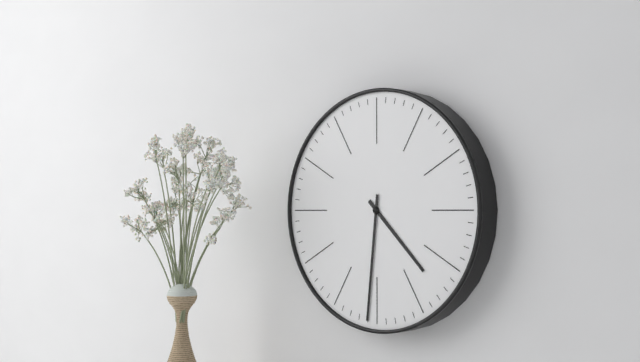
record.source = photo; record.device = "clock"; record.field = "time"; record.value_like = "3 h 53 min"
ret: 4 h 31 min
